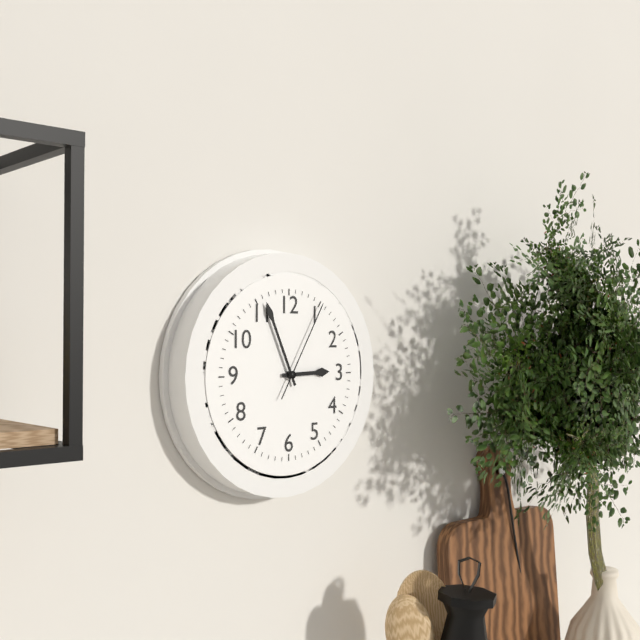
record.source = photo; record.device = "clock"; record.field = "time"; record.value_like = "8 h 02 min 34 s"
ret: 2 h 56 min 05 s
